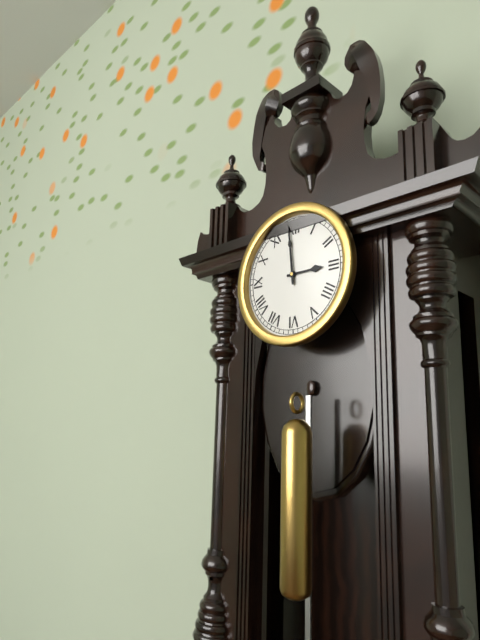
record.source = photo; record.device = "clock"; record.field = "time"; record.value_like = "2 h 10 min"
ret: 2 h 59 min
